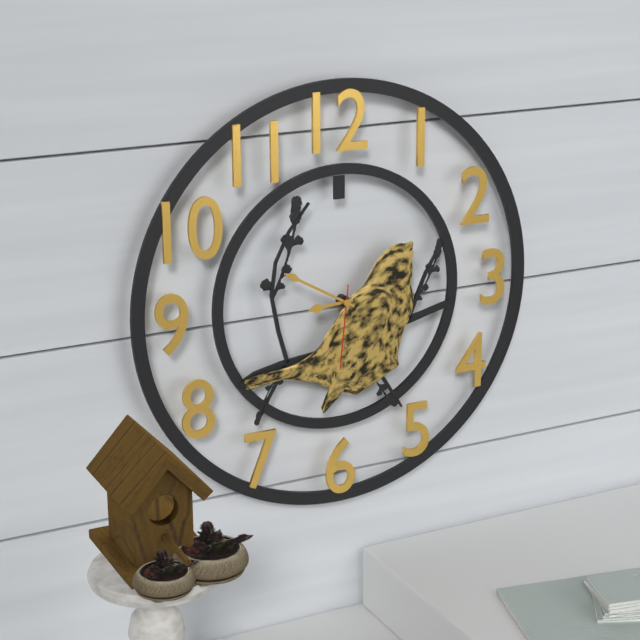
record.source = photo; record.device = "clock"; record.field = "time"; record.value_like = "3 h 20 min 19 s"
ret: 8 h 50 min 31 s
